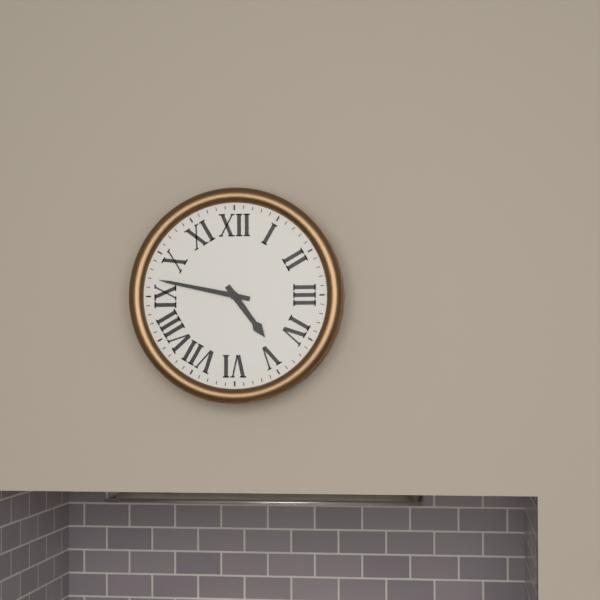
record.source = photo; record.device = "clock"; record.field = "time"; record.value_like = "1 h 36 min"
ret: 4 h 47 min
